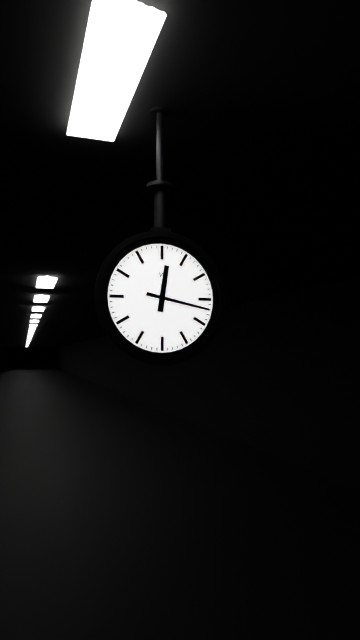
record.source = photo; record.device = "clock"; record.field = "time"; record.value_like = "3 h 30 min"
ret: 12 h 17 min
